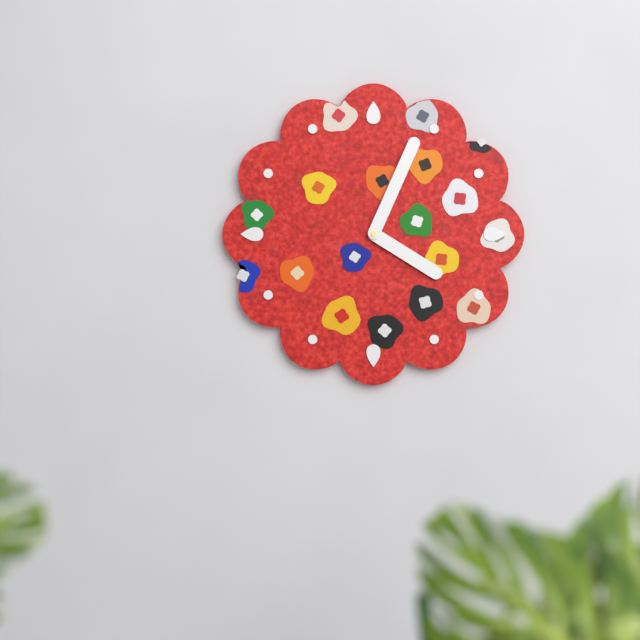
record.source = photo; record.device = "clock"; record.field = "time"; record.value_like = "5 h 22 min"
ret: 4 h 04 min
